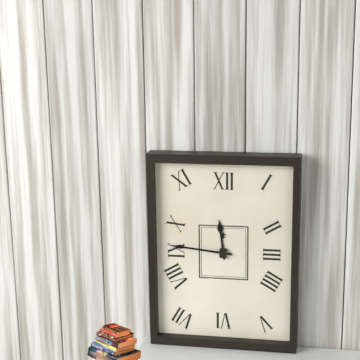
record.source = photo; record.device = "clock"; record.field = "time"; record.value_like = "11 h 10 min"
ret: 11 h 46 min
